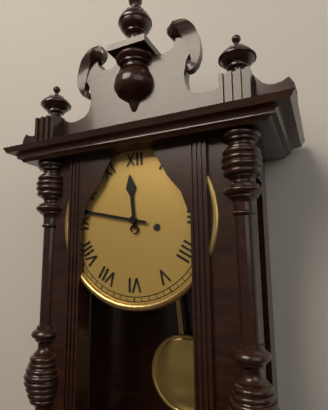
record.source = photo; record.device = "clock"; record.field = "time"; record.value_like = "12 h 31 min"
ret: 11 h 47 min
